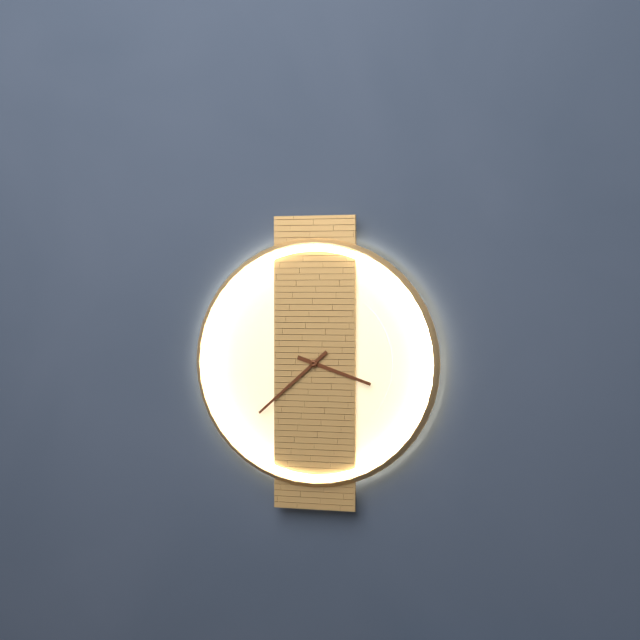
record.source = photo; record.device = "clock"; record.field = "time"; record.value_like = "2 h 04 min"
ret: 3 h 38 min
